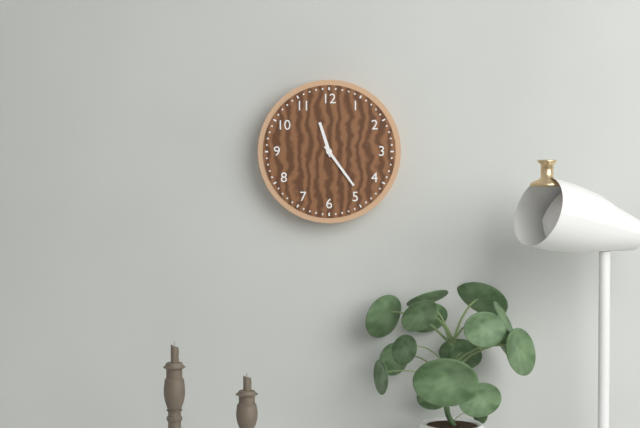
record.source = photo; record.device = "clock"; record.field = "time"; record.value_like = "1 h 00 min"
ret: 11 h 24 min
